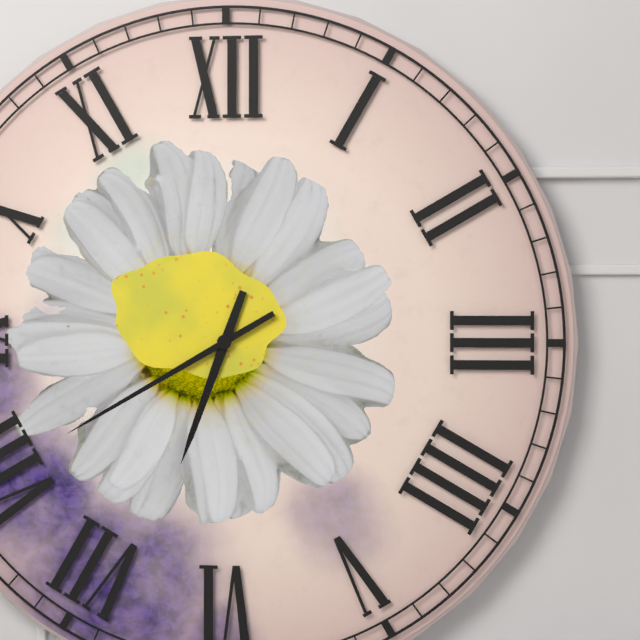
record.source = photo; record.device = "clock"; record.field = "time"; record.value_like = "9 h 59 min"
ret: 6 h 40 min
